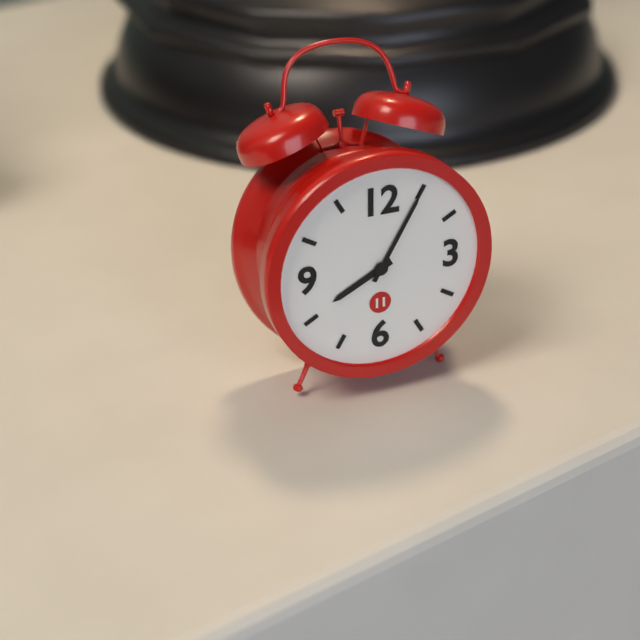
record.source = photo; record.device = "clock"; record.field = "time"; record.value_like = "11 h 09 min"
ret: 8 h 05 min
